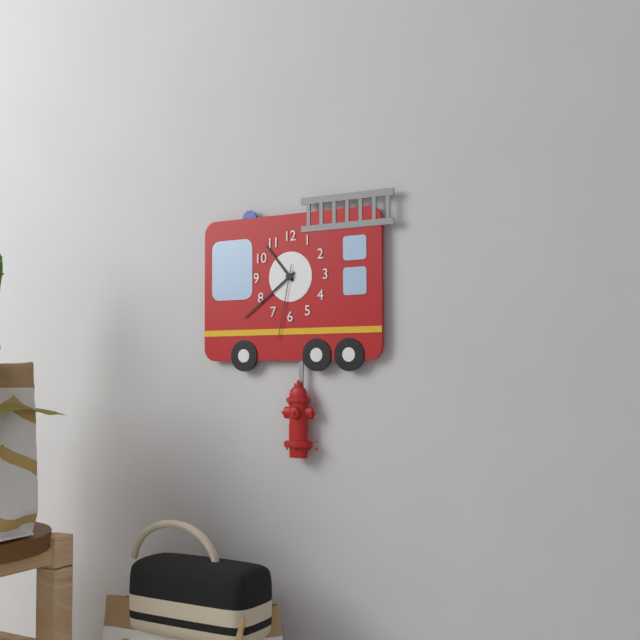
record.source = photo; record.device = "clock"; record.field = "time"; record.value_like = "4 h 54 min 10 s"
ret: 10 h 39 min 32 s
